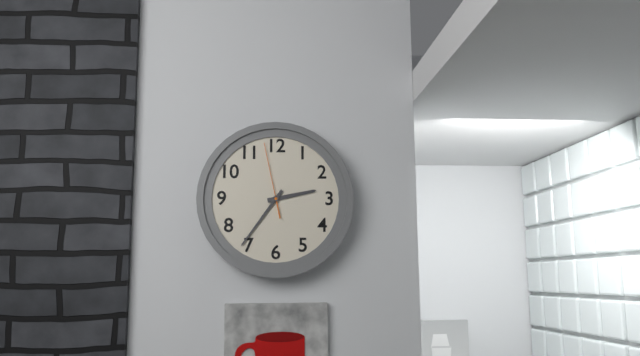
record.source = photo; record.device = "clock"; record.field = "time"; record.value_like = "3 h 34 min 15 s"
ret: 2 h 36 min 58 s
